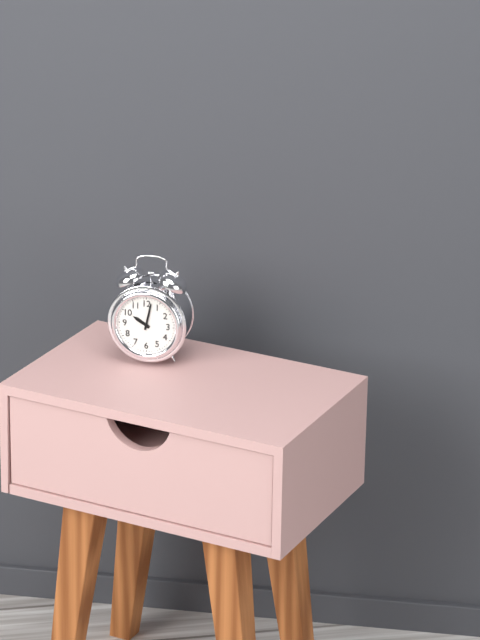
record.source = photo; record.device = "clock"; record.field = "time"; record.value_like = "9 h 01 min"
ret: 10 h 02 min
